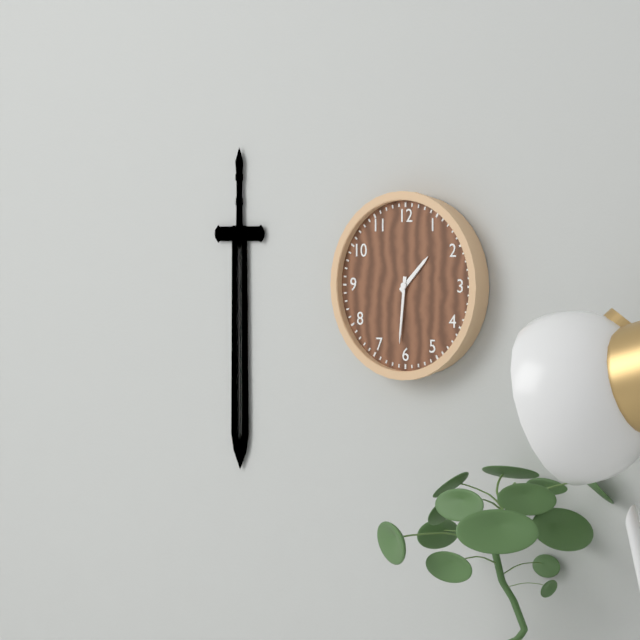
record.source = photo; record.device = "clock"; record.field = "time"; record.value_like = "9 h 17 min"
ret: 1 h 31 min
